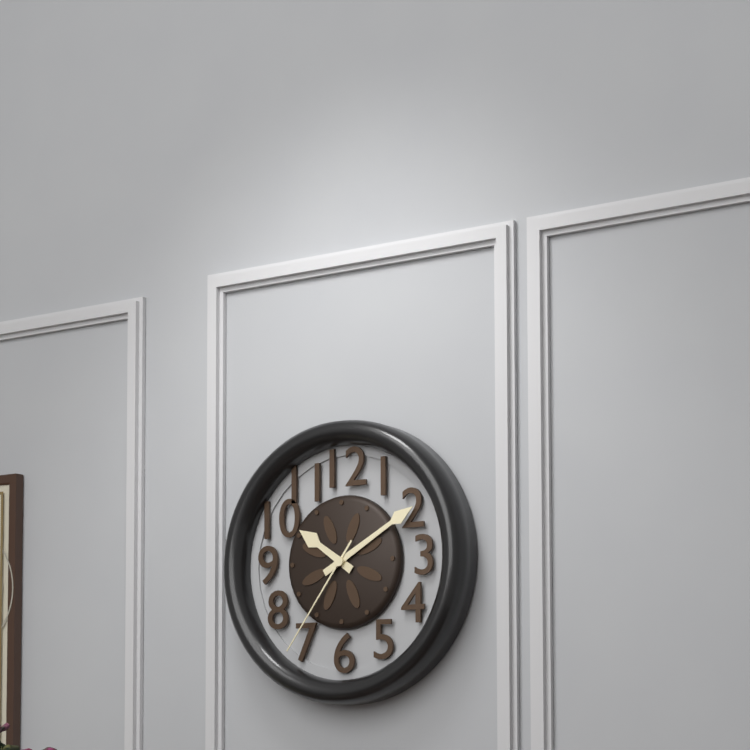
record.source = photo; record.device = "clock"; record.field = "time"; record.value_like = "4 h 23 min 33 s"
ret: 10 h 10 min 36 s
